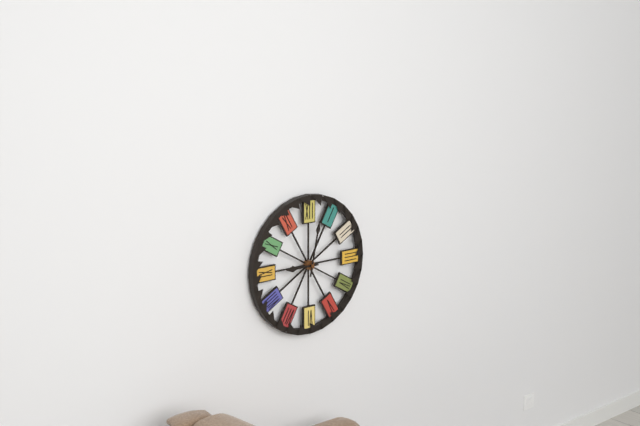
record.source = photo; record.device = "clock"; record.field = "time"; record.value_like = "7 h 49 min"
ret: 9 h 02 min
